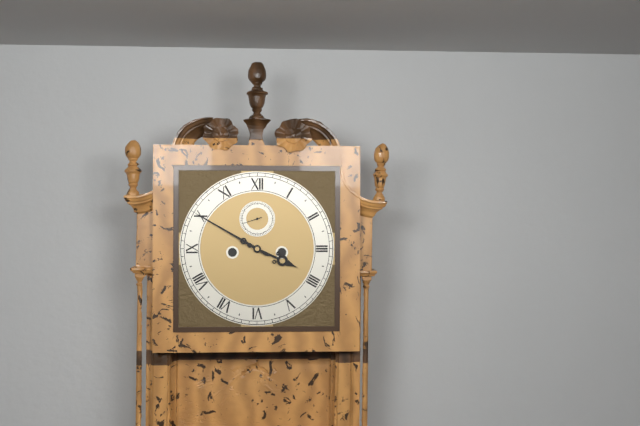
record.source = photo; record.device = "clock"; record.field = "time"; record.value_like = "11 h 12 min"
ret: 3 h 50 min
